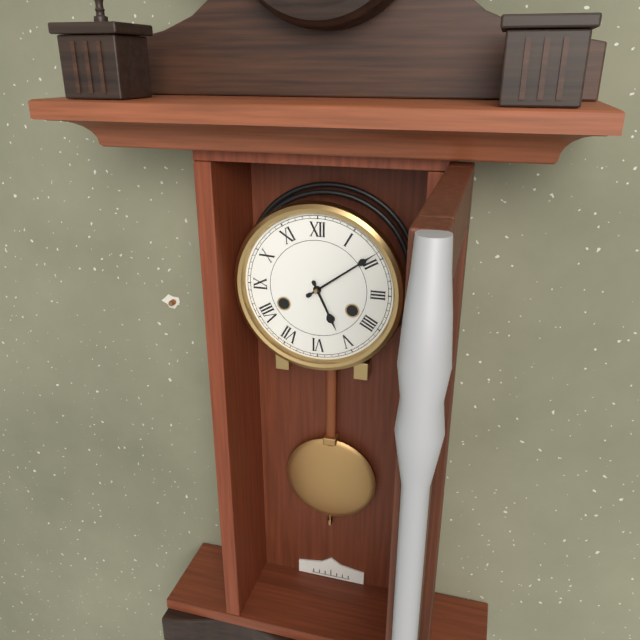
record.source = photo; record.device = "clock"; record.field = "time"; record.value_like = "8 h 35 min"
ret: 5 h 09 min
